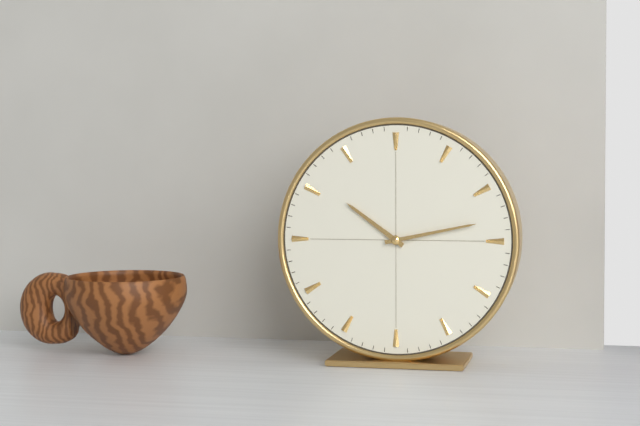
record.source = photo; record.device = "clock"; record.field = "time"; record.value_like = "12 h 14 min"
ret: 10 h 13 min
